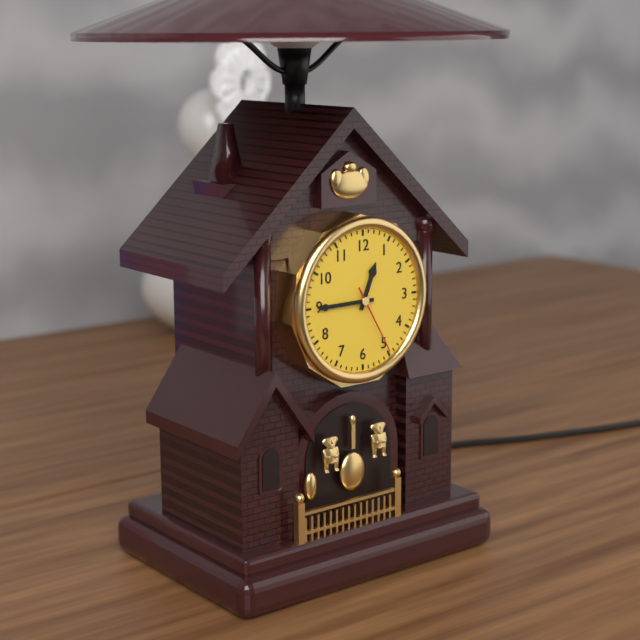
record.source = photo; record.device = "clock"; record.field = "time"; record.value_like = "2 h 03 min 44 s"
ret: 12 h 45 min 25 s
